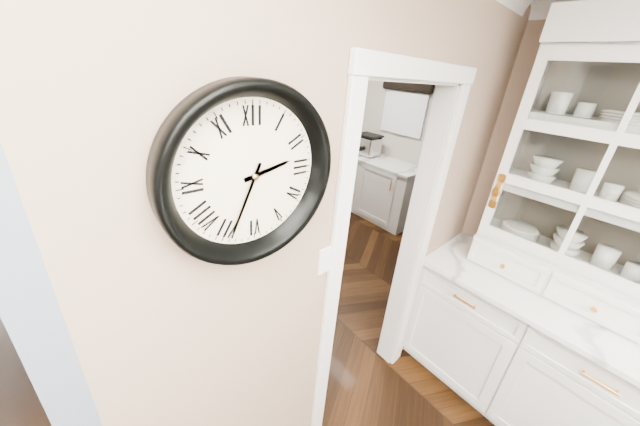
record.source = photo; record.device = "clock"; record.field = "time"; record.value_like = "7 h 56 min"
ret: 2 h 34 min
